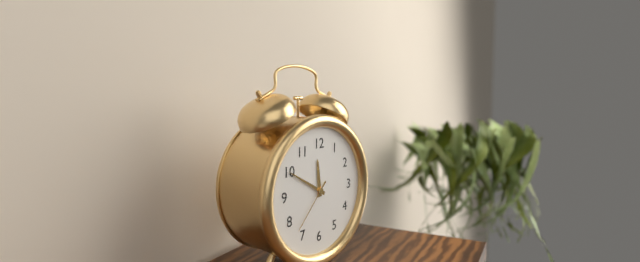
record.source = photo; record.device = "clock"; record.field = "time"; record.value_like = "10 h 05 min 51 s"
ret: 11 h 50 min 37 s
